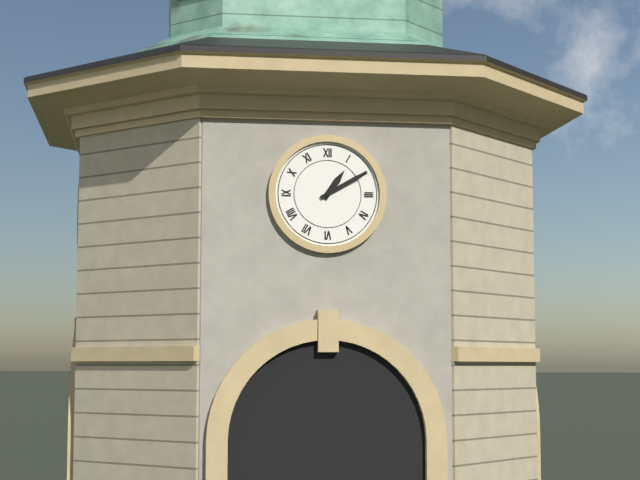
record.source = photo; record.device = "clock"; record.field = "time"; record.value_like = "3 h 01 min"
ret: 1 h 10 min
